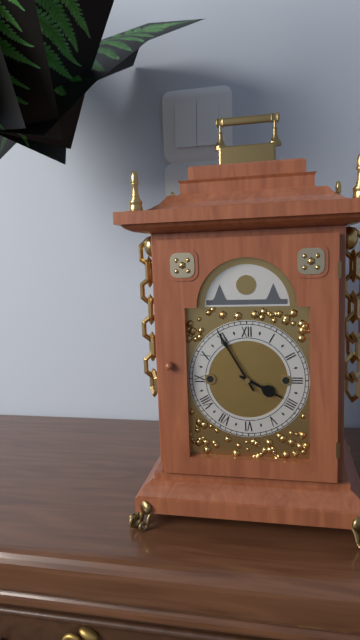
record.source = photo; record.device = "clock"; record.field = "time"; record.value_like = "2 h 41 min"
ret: 3 h 55 min
